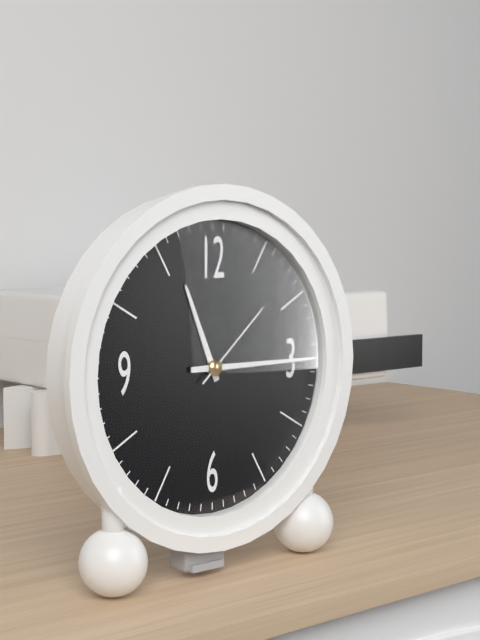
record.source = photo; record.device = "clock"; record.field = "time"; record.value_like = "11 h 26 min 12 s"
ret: 11 h 15 min 08 s
